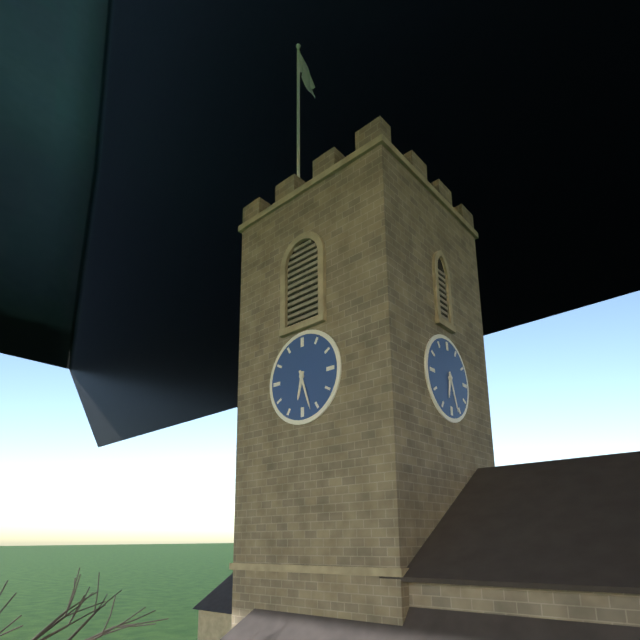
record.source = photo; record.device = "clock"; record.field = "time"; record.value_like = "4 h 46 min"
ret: 6 h 27 min
